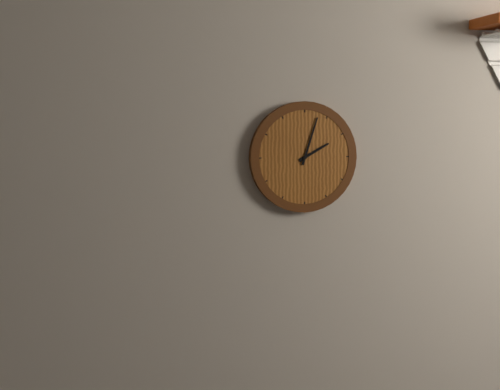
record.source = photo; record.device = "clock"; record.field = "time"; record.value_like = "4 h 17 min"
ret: 2 h 03 min
